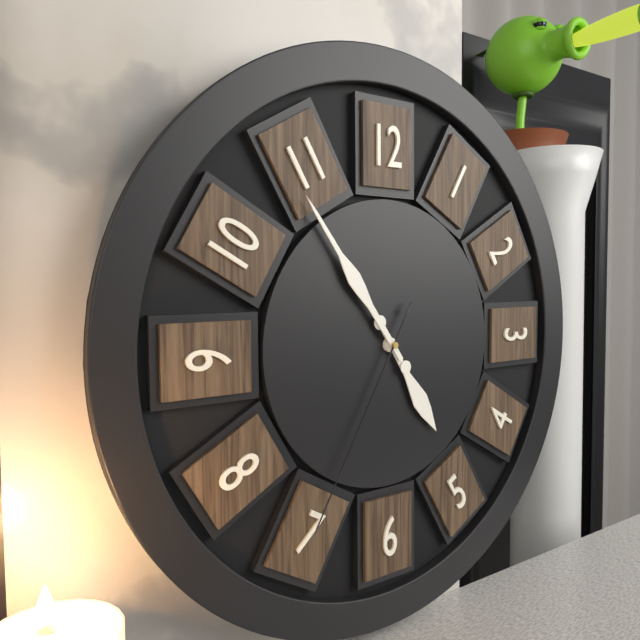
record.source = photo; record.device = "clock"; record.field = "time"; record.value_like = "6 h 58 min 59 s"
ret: 4 h 54 min 35 s
